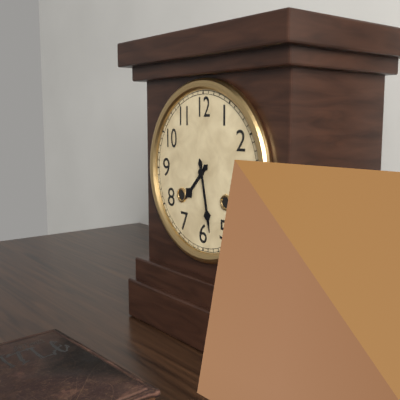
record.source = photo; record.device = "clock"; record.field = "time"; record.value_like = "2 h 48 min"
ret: 7 h 28 min
